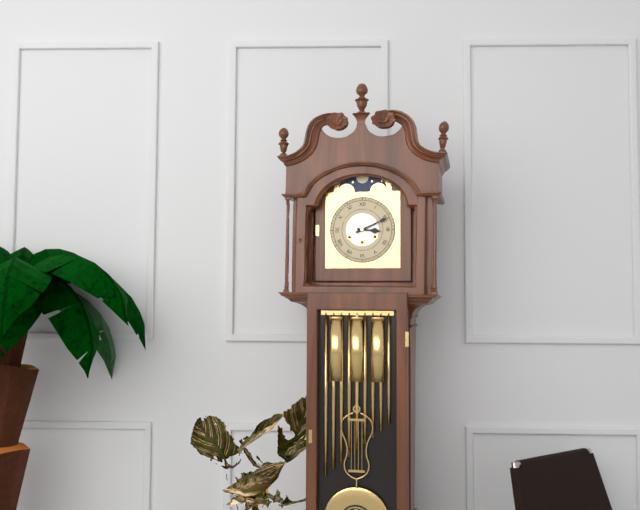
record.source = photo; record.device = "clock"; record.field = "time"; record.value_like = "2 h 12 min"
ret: 3 h 11 min
